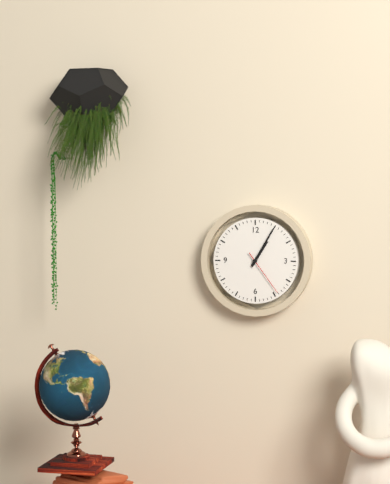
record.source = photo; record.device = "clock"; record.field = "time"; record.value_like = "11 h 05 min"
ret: 1 h 05 min
